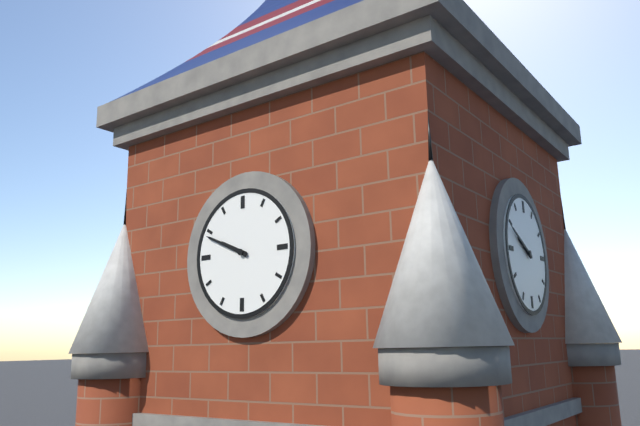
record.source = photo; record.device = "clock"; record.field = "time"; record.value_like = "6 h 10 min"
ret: 9 h 49 min
